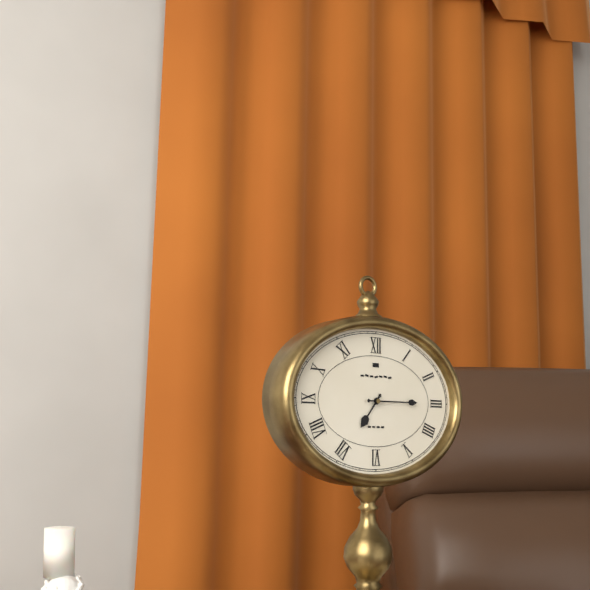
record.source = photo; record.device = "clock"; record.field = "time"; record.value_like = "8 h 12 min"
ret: 7 h 15 min
